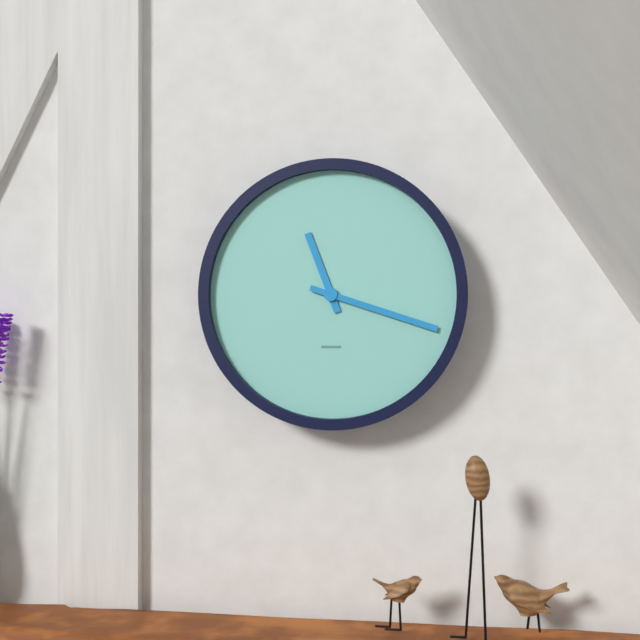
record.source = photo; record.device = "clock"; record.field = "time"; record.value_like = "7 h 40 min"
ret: 11 h 18 min
